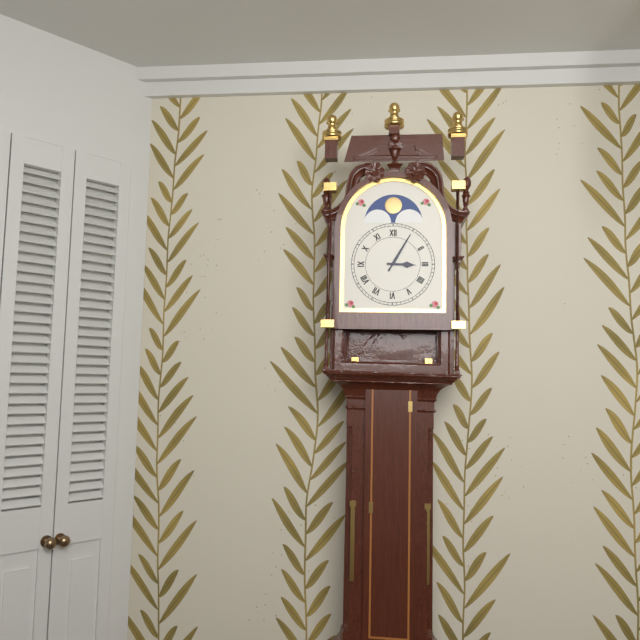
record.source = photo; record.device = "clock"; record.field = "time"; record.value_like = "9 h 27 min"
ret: 3 h 05 min
